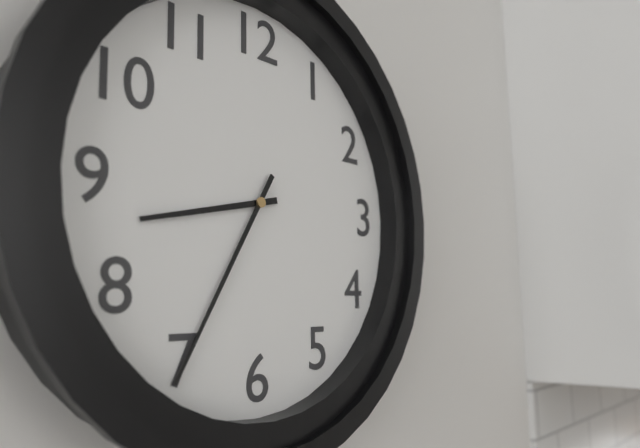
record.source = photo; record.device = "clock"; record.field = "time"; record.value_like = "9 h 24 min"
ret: 8 h 35 min
